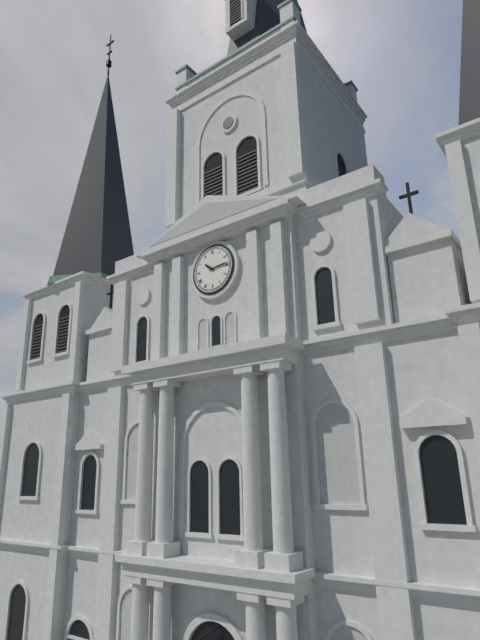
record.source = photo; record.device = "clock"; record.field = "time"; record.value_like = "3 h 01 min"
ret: 10 h 14 min
